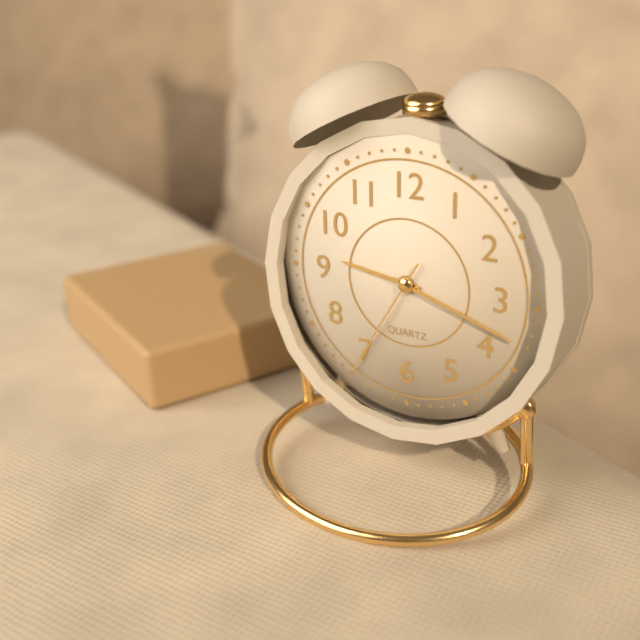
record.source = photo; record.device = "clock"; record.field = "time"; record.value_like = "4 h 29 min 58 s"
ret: 9 h 18 min 35 s
